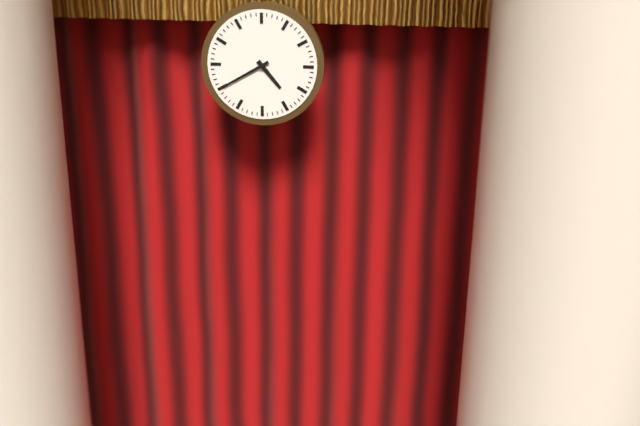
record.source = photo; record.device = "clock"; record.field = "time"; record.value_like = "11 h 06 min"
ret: 4 h 40 min
